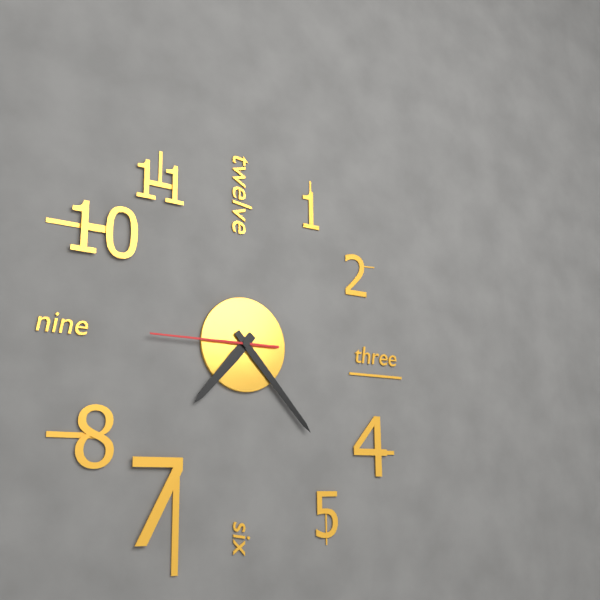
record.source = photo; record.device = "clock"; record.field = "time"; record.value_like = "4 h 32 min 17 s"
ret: 7 h 23 min 45 s
